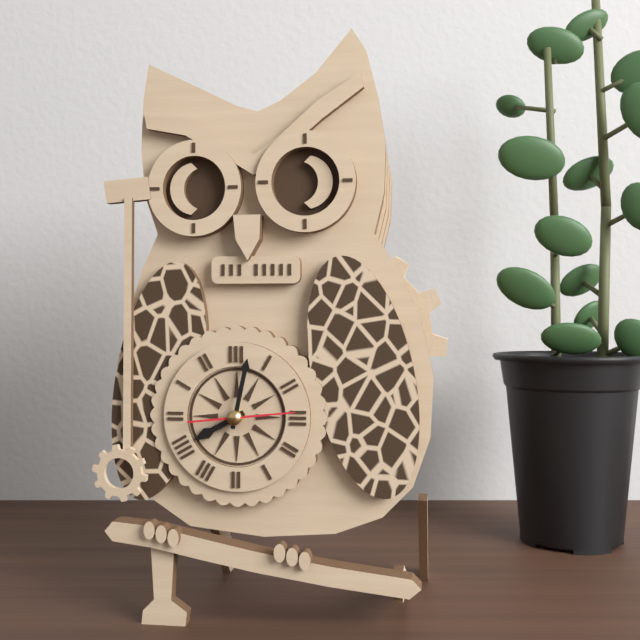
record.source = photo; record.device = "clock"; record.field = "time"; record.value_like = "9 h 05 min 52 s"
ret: 8 h 02 min 14 s
